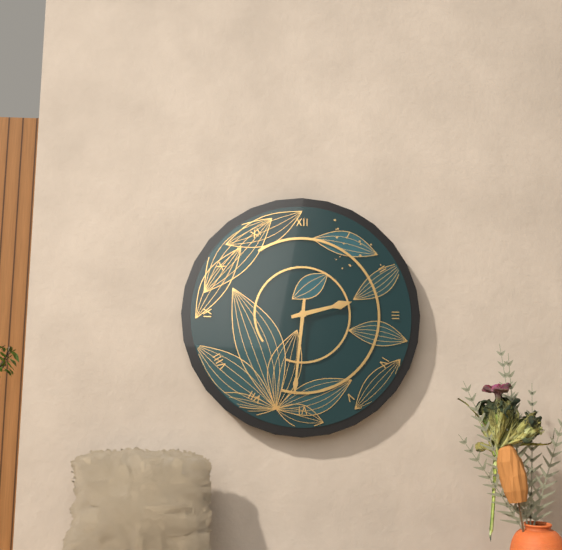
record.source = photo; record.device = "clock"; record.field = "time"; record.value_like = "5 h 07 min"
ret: 2 h 31 min
